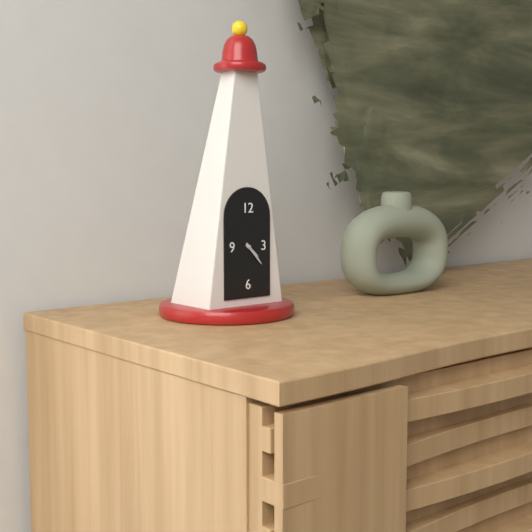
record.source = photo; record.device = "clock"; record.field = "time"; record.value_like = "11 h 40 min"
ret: 4 h 23 min
